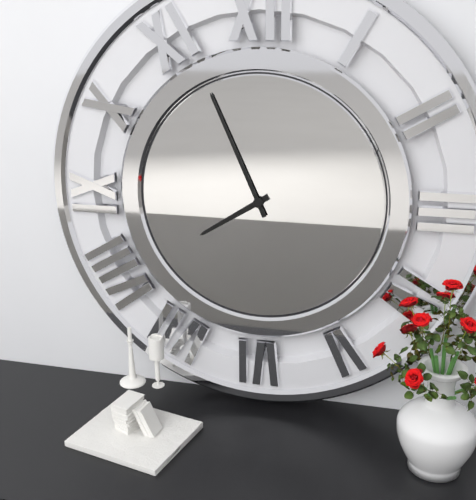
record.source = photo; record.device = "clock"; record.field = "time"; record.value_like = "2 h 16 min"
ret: 7 h 56 min
